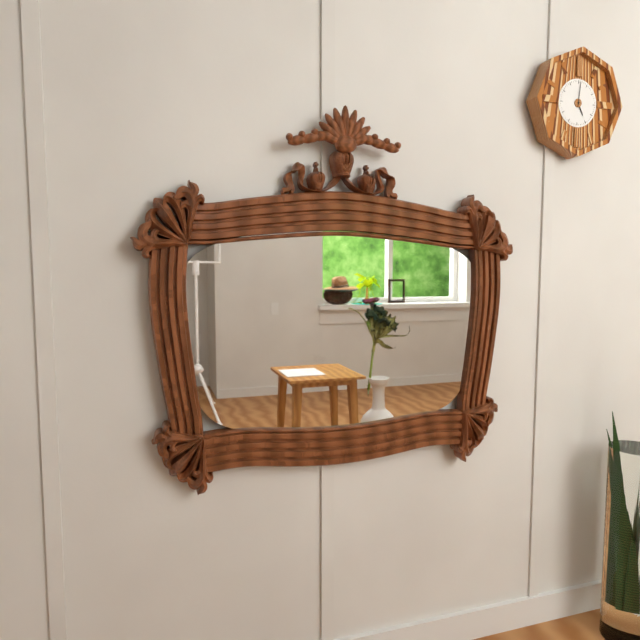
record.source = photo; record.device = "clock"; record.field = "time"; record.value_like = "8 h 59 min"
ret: 5 h 01 min
